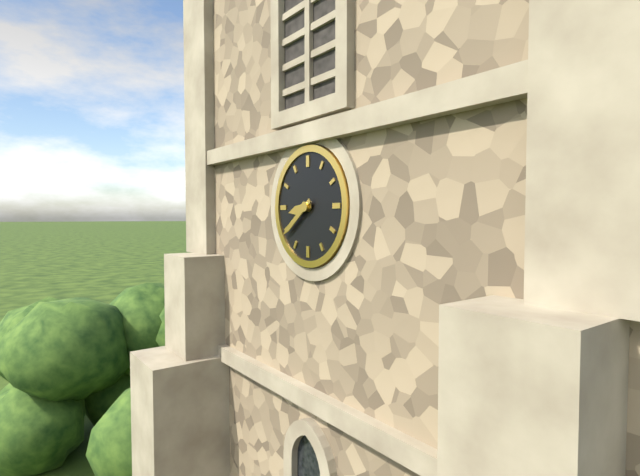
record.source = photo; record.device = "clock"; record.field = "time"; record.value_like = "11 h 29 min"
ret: 8 h 39 min
